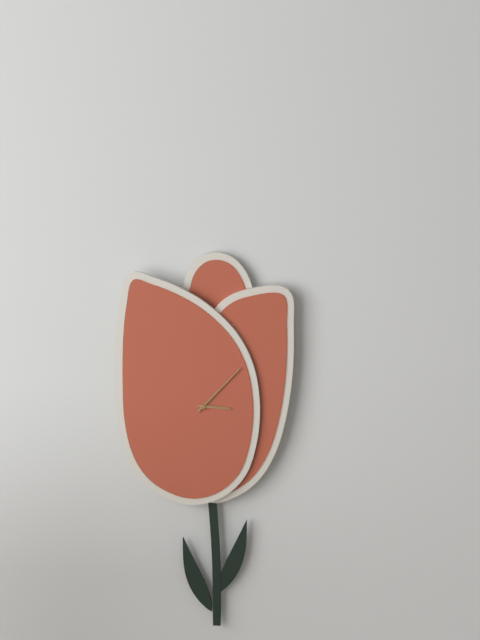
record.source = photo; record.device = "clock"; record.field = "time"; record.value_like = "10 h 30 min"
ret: 3 h 07 min
